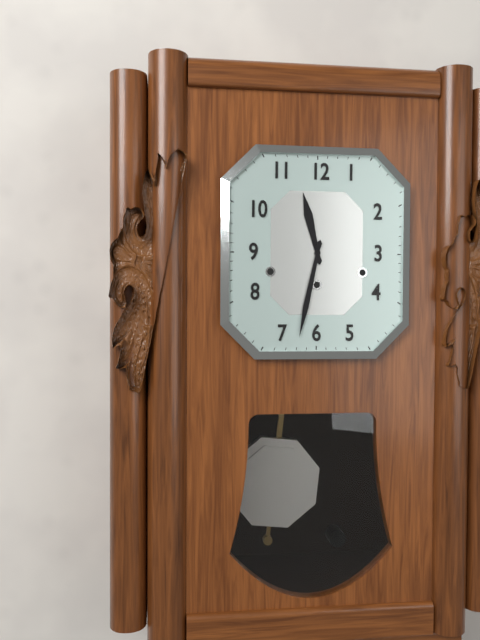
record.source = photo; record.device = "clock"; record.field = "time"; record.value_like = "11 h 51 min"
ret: 11 h 32 min
